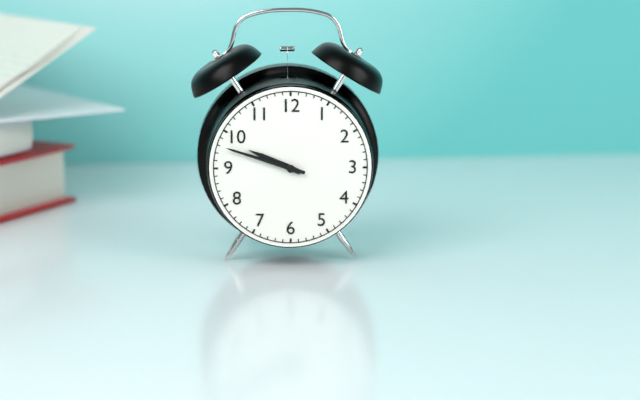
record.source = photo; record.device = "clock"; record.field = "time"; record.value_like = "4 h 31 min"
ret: 9 h 48 min
